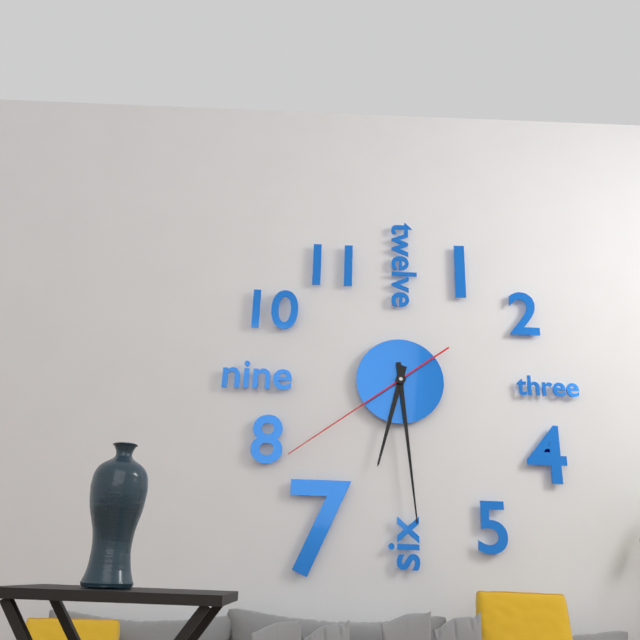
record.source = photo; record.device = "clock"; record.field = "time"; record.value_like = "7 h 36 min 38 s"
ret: 6 h 29 min 39 s
